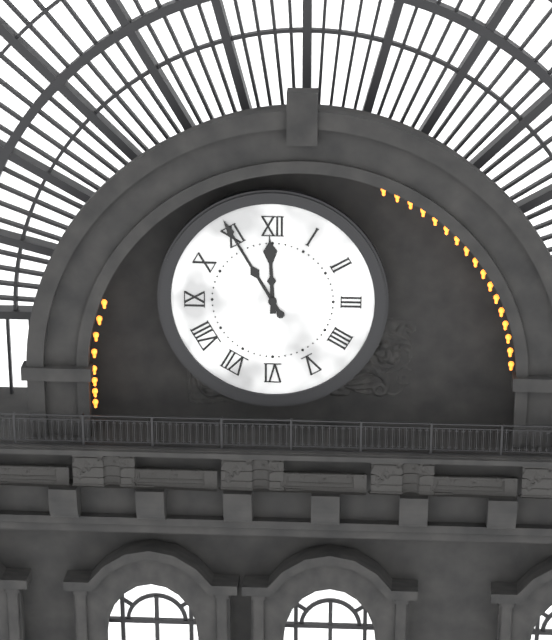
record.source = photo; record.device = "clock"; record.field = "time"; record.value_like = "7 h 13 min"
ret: 11 h 55 min
